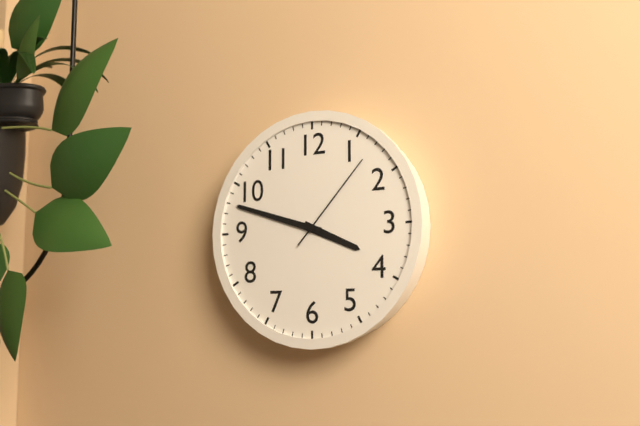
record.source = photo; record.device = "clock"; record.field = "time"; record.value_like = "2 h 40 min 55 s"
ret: 3 h 48 min 07 s
